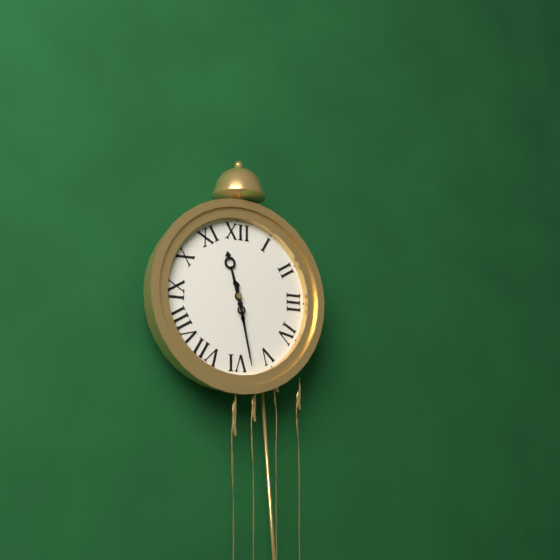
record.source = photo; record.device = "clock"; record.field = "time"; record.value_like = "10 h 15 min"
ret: 11 h 28 min
